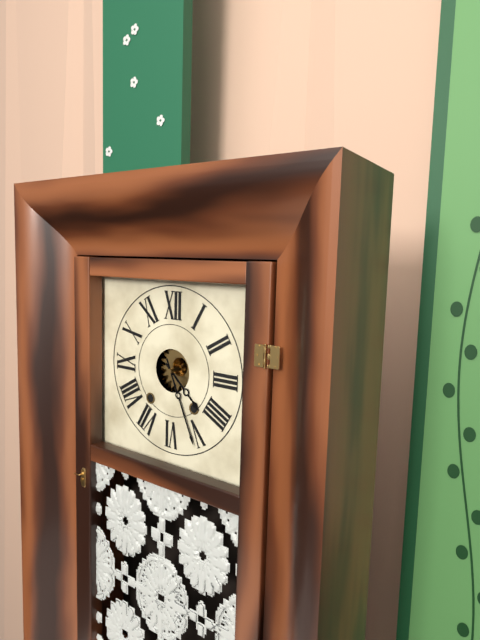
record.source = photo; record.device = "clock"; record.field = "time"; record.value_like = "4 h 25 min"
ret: 4 h 26 min
